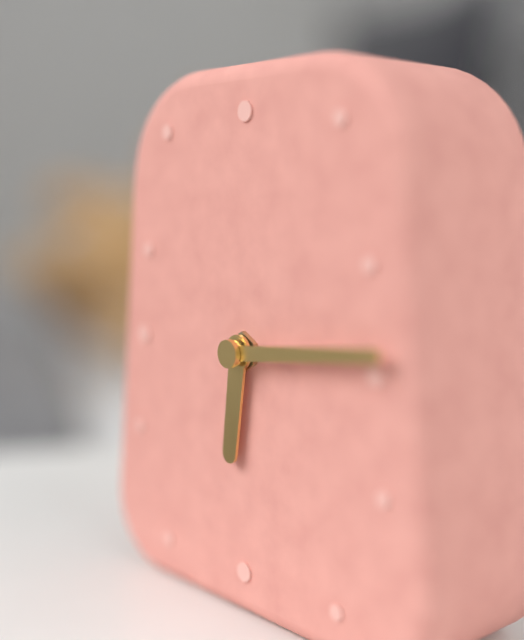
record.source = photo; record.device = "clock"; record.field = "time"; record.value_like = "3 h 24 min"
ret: 6 h 14 min
